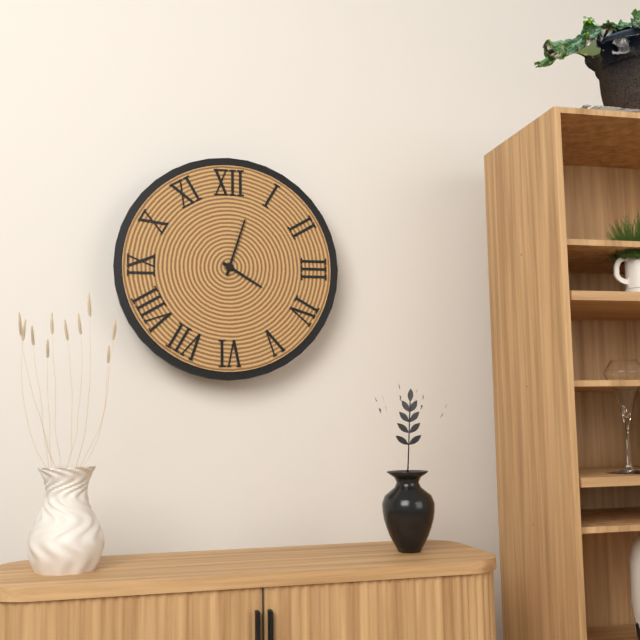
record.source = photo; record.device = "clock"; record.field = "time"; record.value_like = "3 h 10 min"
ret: 4 h 03 min
